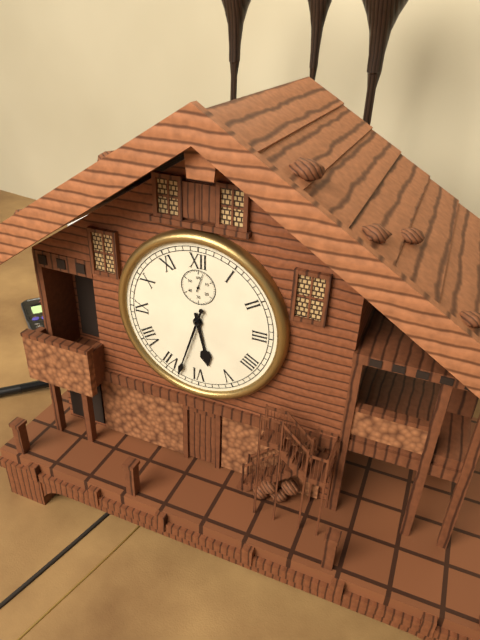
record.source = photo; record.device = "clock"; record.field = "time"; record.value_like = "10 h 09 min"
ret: 5 h 33 min
